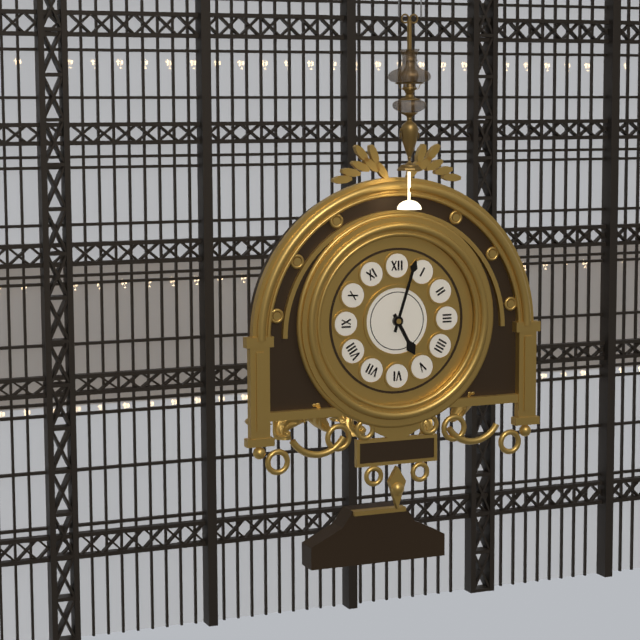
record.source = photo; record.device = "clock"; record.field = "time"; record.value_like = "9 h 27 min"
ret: 5 h 03 min
